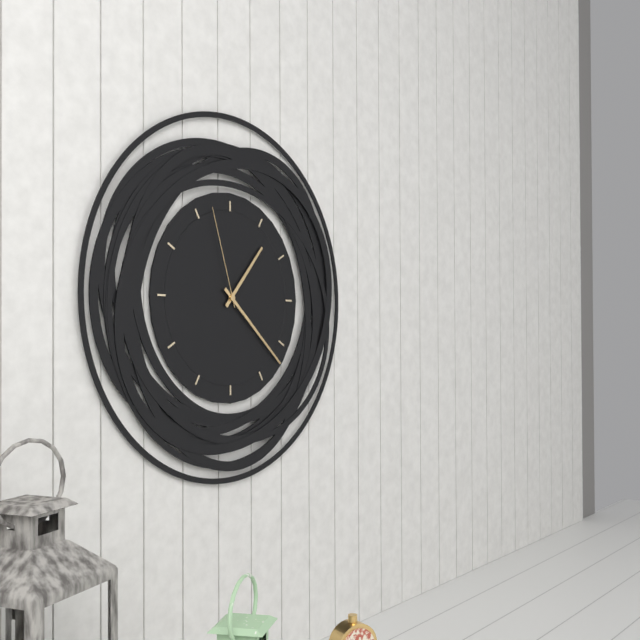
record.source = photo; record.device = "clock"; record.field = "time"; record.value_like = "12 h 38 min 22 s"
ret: 1 h 22 min 57 s
